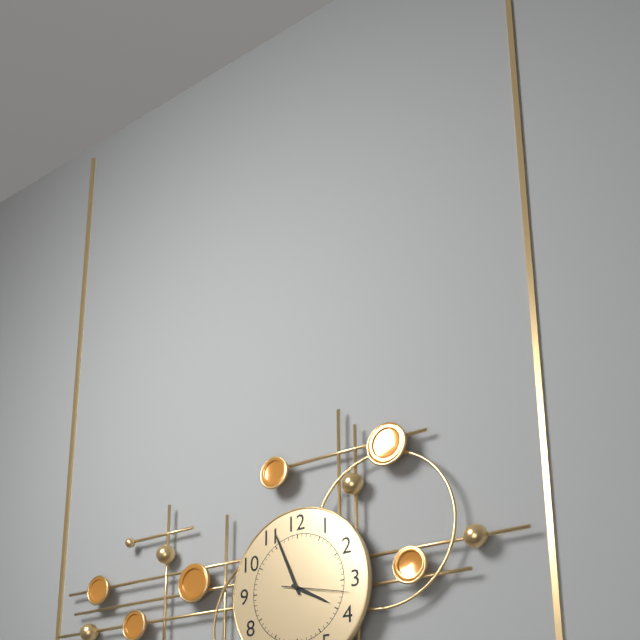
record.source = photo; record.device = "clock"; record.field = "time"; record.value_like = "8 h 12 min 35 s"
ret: 3 h 56 min 17 s
